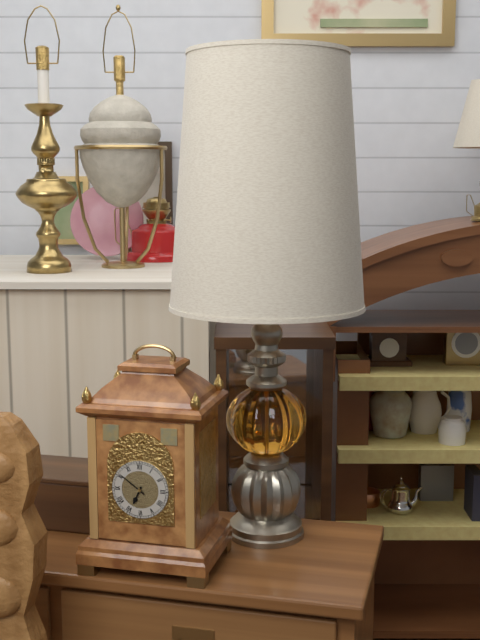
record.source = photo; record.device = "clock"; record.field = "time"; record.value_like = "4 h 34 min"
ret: 6 h 51 min
